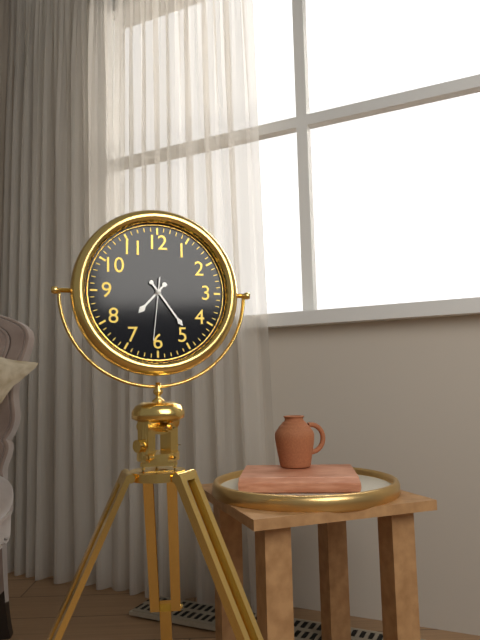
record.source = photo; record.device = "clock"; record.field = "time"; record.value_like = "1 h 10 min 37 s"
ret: 7 h 24 min 31 s
